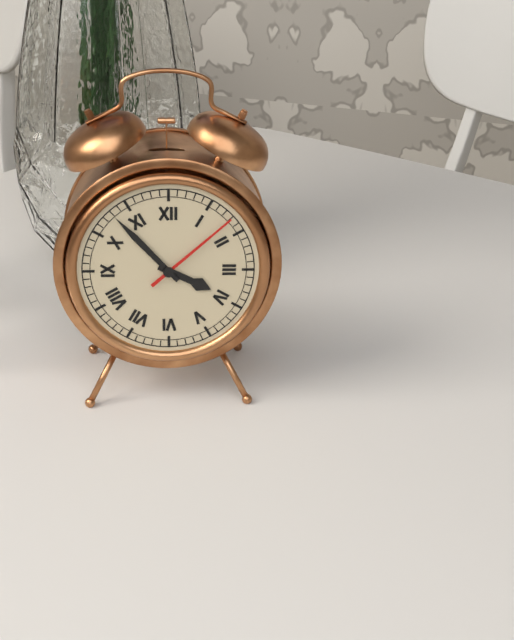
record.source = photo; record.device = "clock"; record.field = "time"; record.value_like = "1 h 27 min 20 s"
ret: 3 h 53 min 08 s
